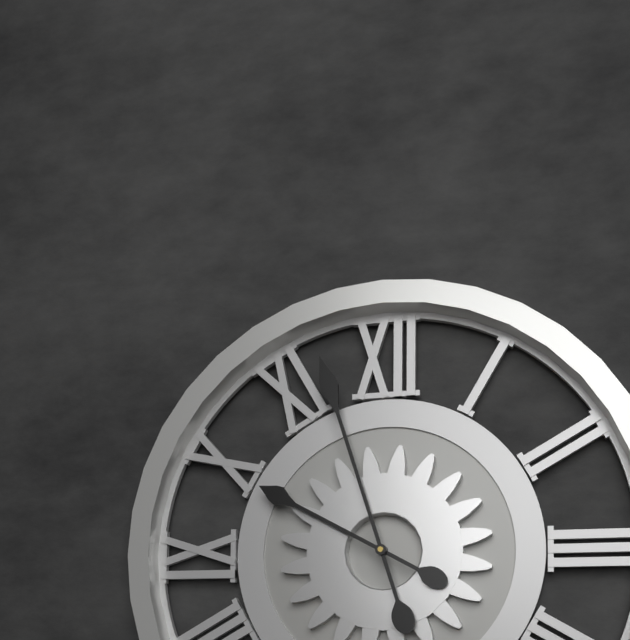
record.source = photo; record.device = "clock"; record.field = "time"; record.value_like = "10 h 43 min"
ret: 9 h 57 min
